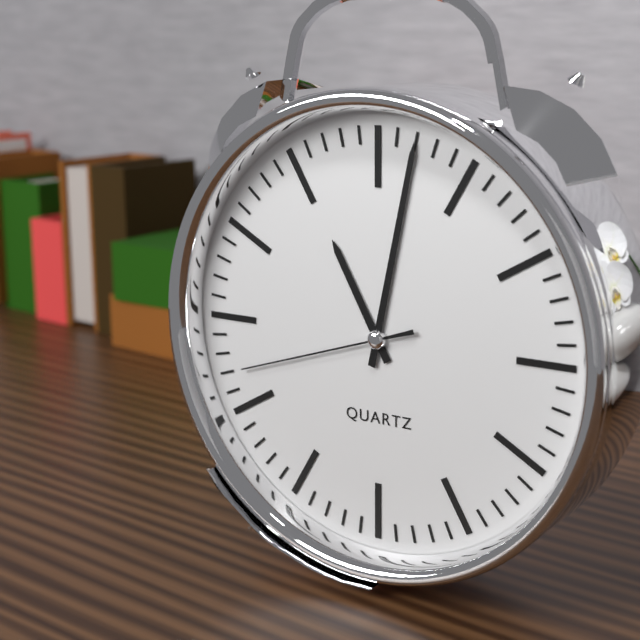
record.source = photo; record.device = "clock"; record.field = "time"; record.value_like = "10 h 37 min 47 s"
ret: 11 h 02 min 42 s
